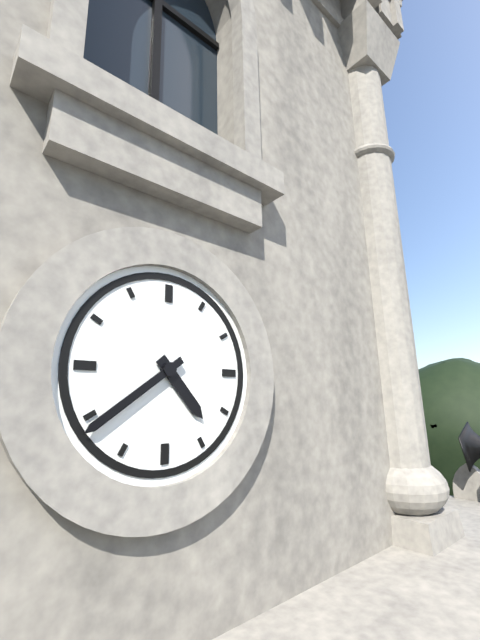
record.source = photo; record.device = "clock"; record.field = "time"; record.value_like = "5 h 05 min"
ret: 4 h 39 min
